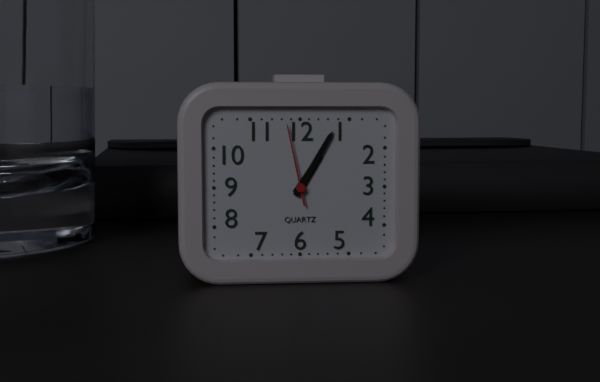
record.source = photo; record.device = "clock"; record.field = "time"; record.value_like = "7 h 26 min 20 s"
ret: 1 h 05 min 58 s
